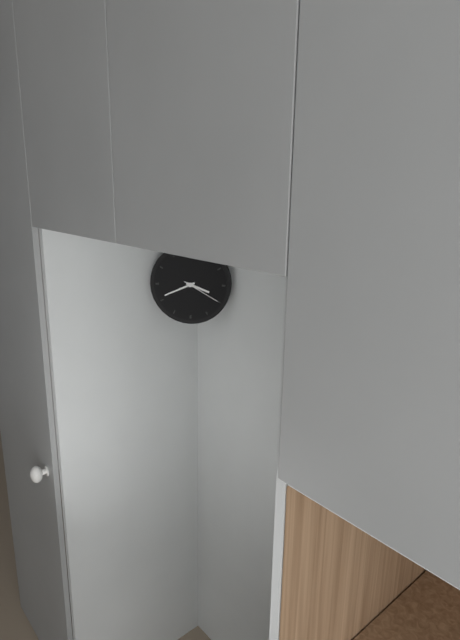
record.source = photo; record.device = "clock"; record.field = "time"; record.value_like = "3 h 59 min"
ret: 3 h 41 min
